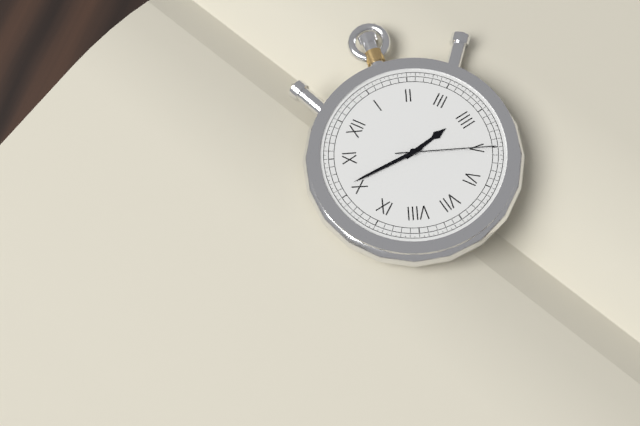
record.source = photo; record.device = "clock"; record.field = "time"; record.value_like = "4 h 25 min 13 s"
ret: 3 h 51 min 25 s
